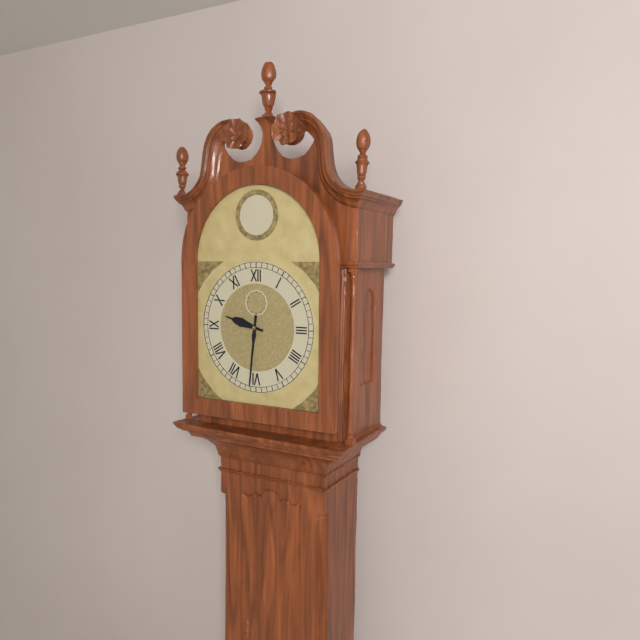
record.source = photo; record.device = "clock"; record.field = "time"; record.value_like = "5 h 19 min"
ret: 9 h 31 min
